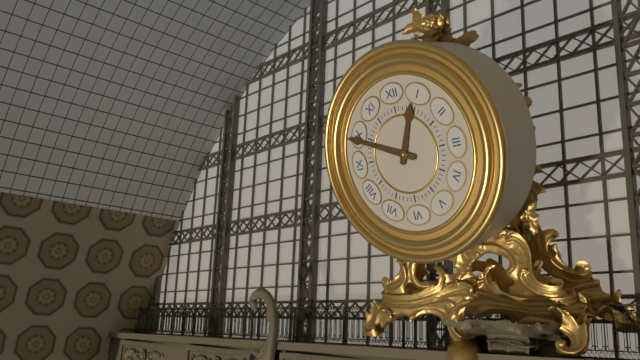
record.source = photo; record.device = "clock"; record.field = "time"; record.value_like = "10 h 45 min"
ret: 12 h 49 min
